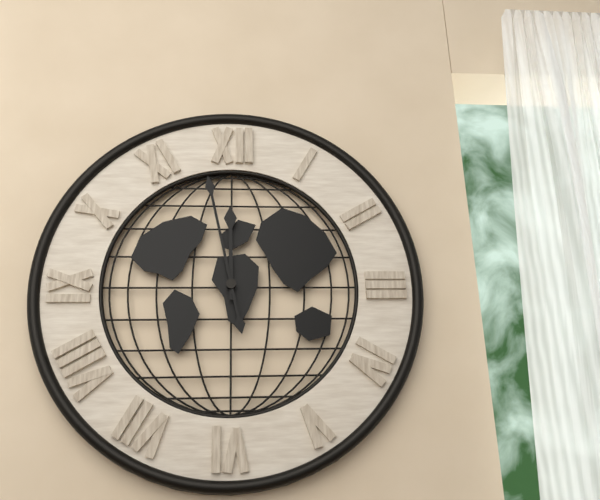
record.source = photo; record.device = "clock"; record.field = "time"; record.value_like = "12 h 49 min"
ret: 11 h 58 min
